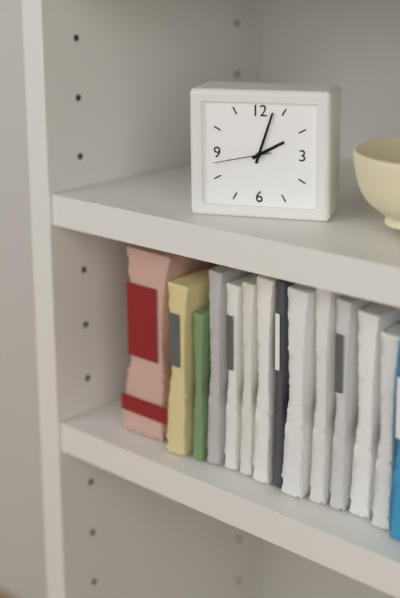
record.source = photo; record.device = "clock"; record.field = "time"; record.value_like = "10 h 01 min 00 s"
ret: 2 h 03 min 43 s
